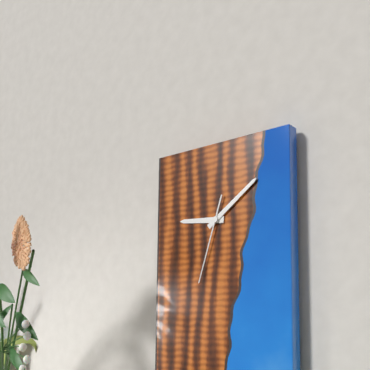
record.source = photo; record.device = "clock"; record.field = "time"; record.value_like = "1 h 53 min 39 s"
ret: 9 h 09 min 33 s
